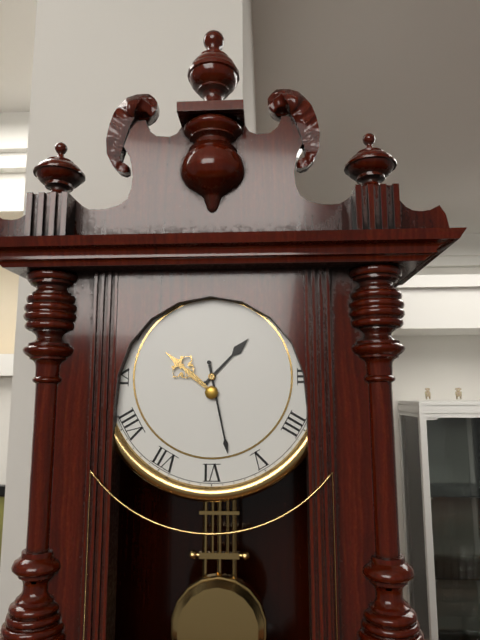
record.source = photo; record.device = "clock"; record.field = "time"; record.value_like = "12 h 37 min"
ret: 1 h 28 min
